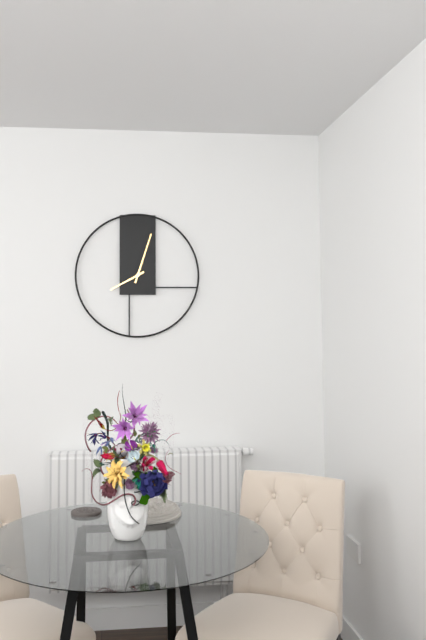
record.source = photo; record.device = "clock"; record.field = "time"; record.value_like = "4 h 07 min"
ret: 8 h 03 min
